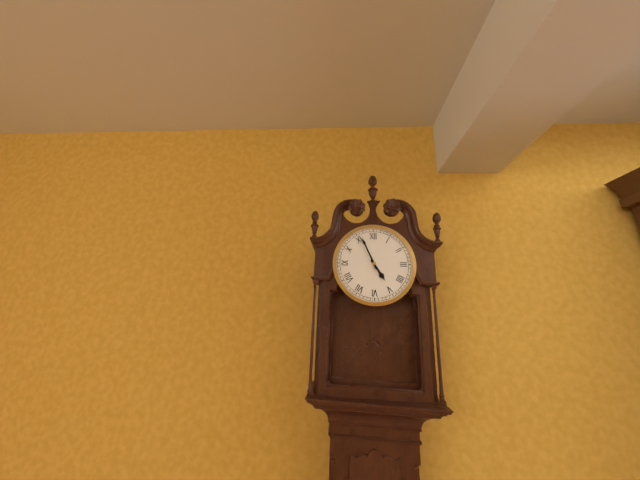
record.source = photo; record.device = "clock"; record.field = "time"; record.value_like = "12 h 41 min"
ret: 4 h 56 min
